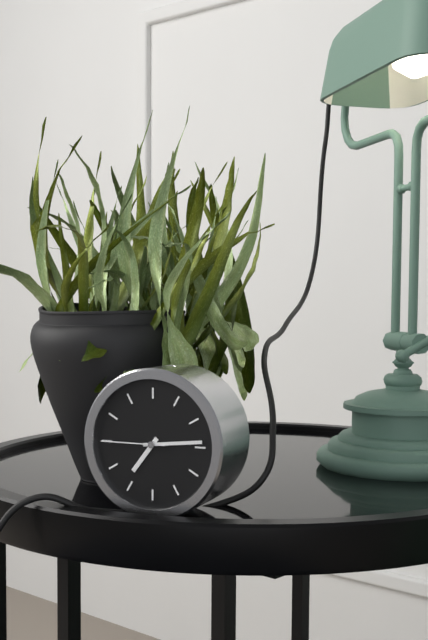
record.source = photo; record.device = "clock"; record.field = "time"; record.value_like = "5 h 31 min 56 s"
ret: 7 h 14 min 45 s
